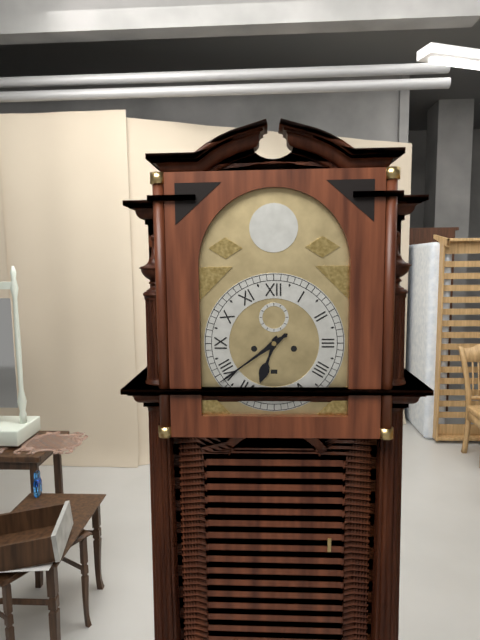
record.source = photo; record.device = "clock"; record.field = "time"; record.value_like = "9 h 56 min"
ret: 6 h 39 min
